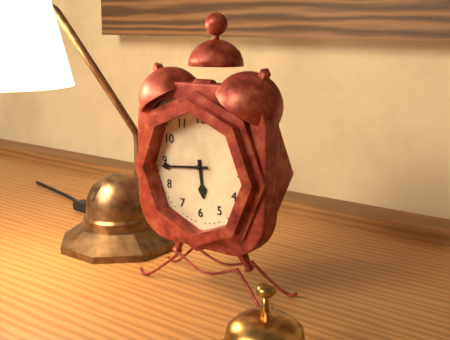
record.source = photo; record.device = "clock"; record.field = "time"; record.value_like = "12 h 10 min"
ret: 5 h 44 min
